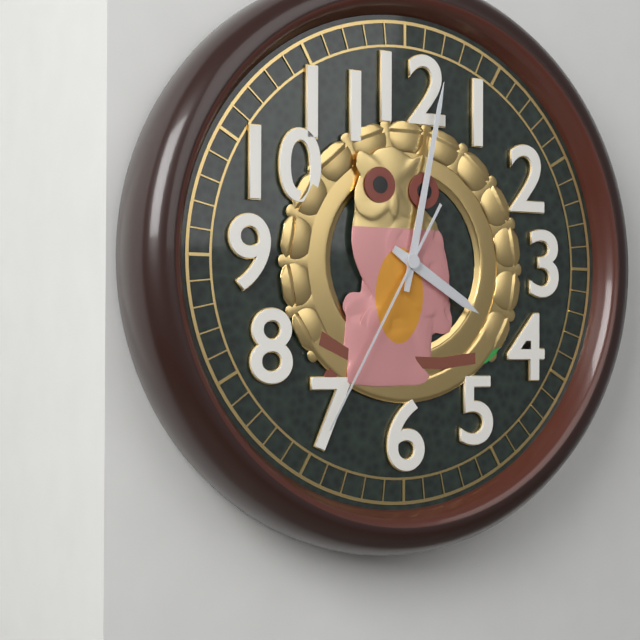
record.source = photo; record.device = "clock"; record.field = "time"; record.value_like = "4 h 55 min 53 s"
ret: 4 h 02 min 35 s
